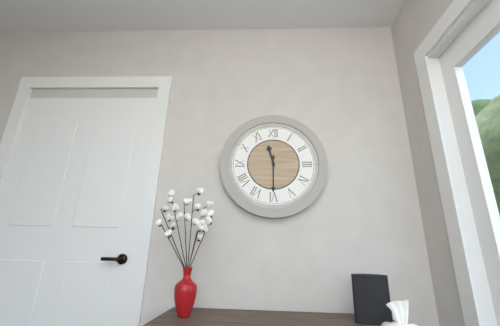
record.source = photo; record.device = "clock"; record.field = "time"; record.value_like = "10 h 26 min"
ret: 11 h 30 min
